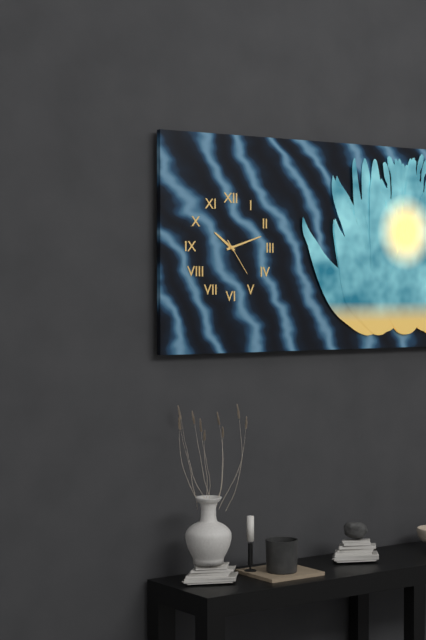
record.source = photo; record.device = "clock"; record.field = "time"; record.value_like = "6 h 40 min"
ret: 10 h 12 min
